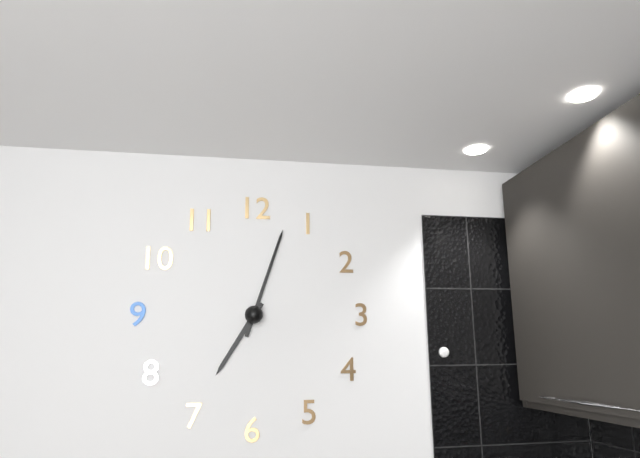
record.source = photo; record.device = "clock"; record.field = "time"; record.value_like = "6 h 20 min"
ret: 7 h 03 min
